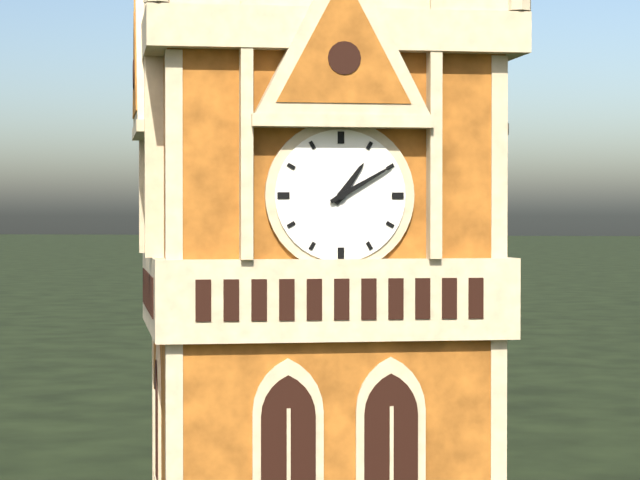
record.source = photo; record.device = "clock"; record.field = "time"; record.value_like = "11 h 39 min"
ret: 1 h 10 min
